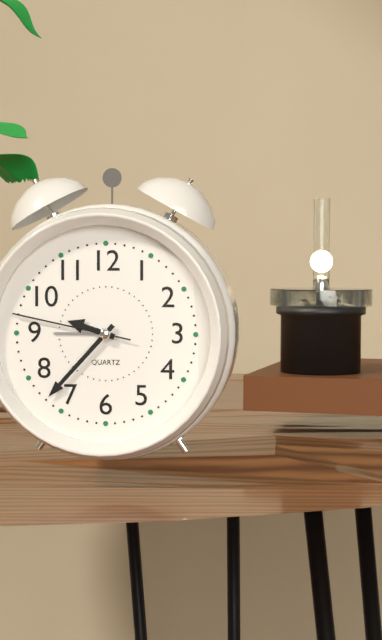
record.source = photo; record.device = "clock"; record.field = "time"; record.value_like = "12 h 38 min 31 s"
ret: 9 h 37 min 47 s
